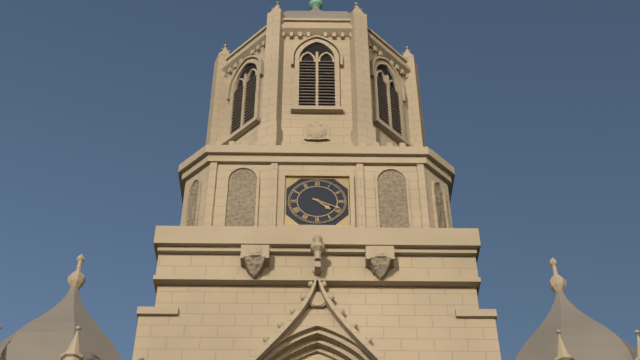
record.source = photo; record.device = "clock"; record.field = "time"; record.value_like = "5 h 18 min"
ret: 4 h 19 min
